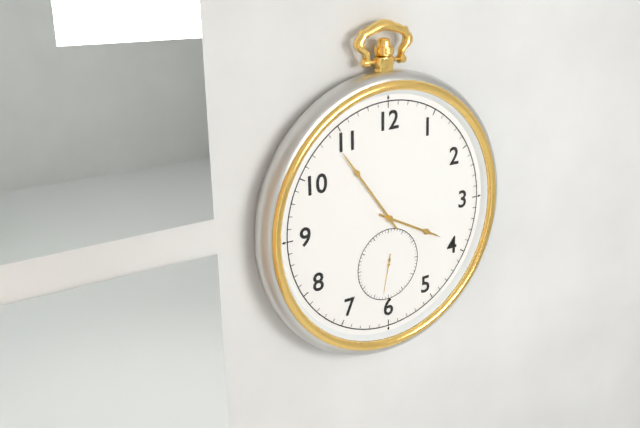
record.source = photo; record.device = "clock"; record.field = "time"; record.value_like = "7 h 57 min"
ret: 3 h 54 min
